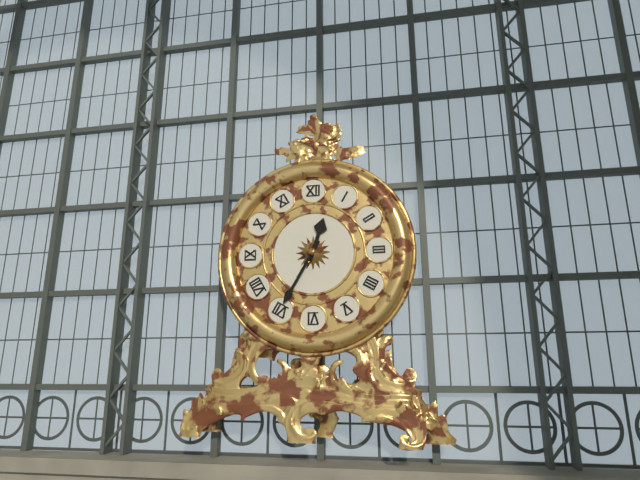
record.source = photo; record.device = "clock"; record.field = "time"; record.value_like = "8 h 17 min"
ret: 12 h 35 min
